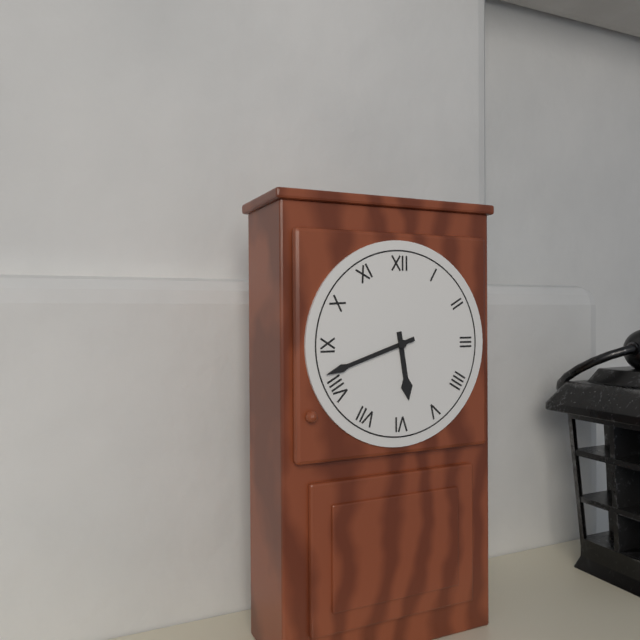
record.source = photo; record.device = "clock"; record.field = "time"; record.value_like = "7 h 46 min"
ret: 5 h 42 min
